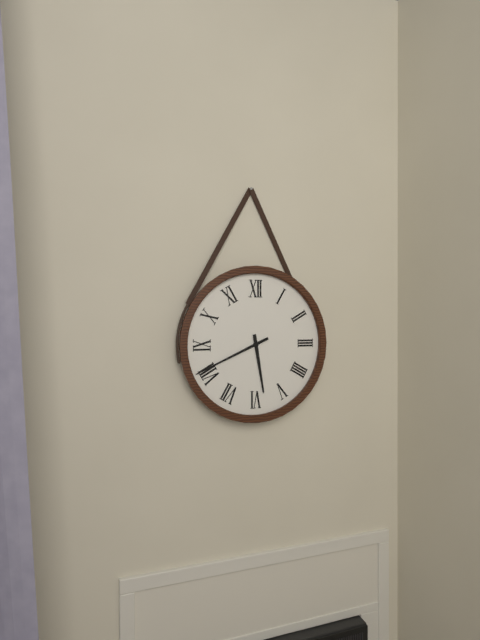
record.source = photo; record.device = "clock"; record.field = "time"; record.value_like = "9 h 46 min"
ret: 5 h 41 min
